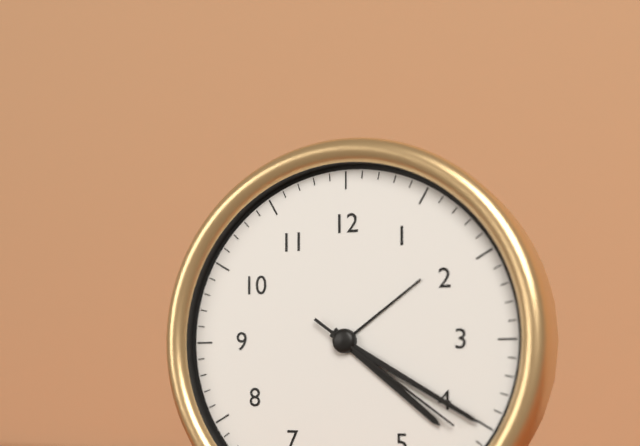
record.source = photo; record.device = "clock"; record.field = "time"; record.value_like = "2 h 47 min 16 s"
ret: 4 h 20 min 21 s
